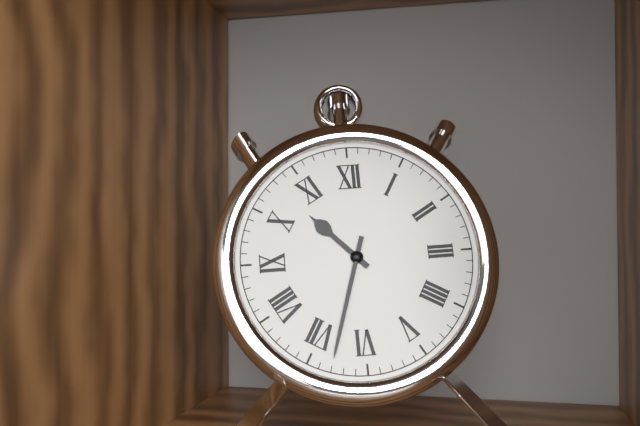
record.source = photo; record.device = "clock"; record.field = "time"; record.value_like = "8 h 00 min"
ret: 10 h 33 min
